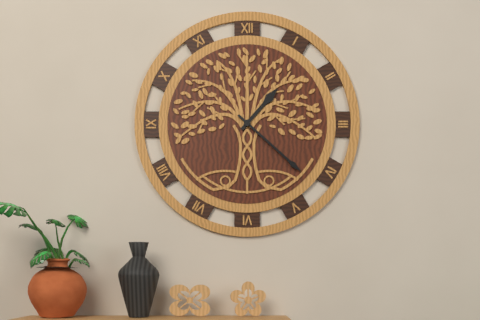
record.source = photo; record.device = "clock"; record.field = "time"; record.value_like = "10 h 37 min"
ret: 1 h 22 min
